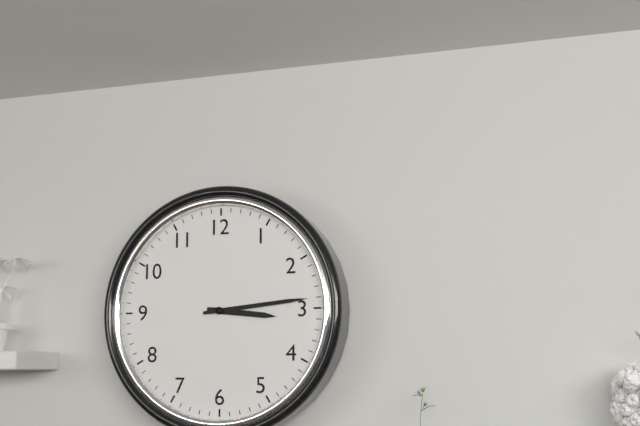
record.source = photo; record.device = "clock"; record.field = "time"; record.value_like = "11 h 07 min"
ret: 3 h 14 min
